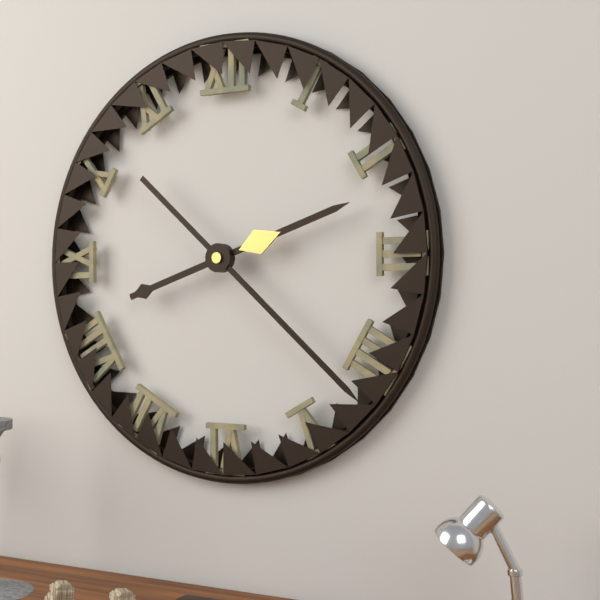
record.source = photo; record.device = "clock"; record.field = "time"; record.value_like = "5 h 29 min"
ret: 2 h 22 min
